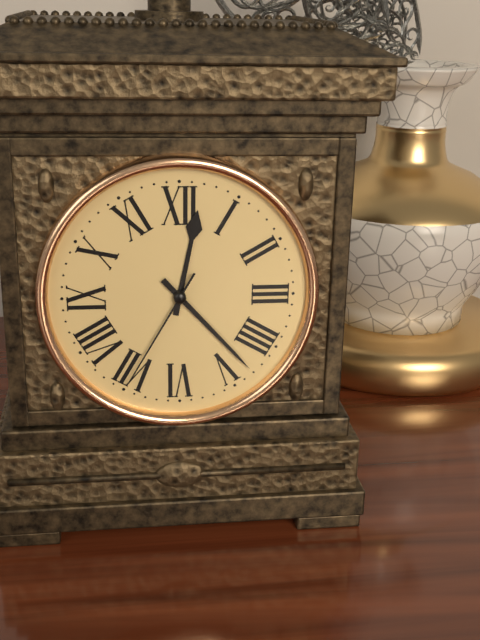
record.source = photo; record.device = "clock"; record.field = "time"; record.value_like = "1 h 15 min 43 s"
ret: 12 h 23 min 35 s
